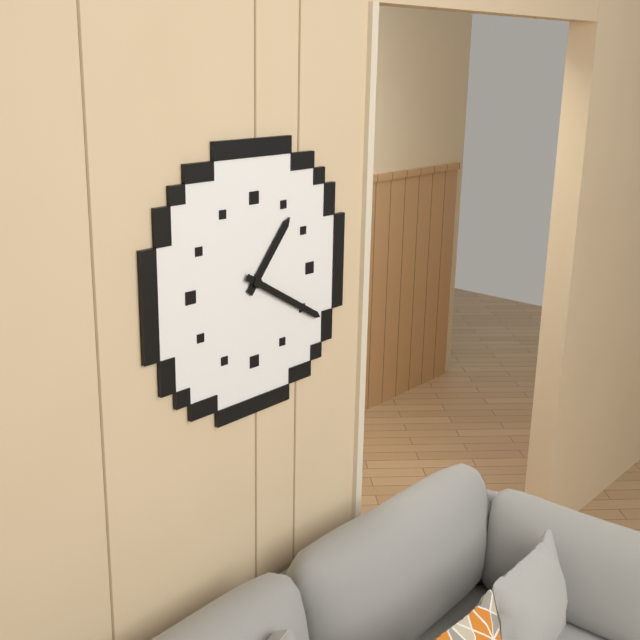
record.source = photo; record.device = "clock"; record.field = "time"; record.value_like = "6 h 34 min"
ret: 1 h 20 min
